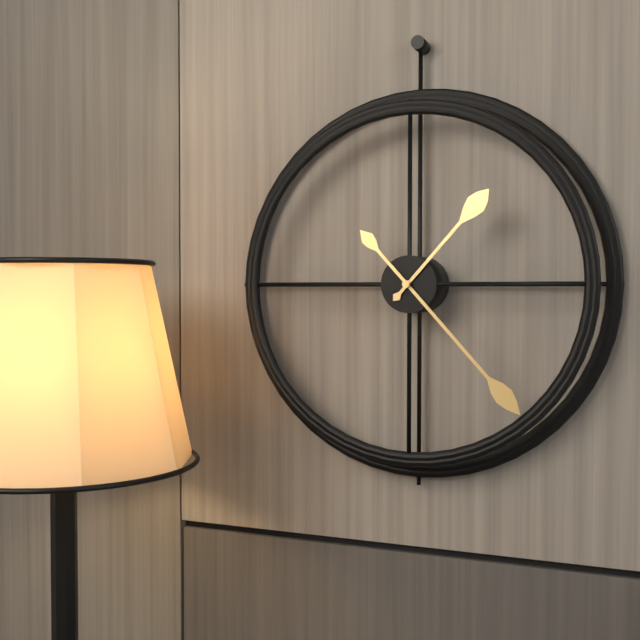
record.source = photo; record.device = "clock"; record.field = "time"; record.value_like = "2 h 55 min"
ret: 1 h 23 min
